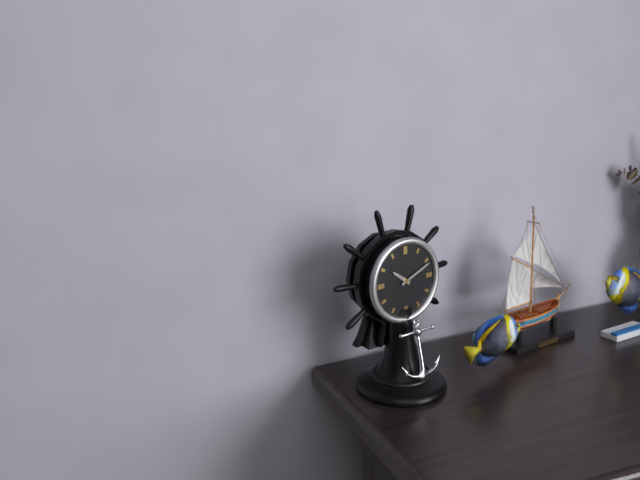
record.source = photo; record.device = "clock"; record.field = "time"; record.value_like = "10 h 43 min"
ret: 10 h 11 min
